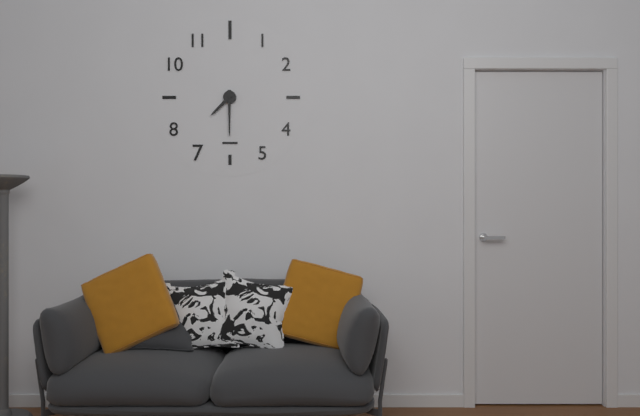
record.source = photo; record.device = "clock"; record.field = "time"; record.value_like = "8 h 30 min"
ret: 7 h 30 min
